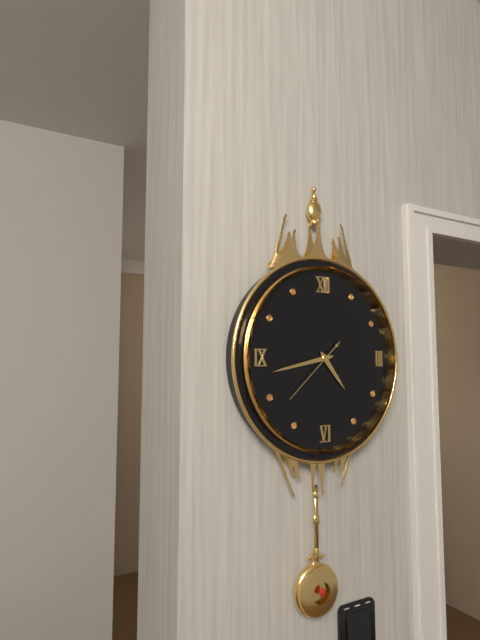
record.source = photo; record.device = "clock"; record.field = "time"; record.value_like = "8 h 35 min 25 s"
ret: 4 h 43 min 38 s
